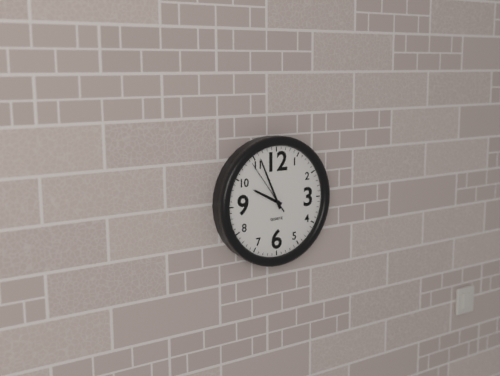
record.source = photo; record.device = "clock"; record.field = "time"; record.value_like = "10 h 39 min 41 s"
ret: 9 h 56 min 54 s
